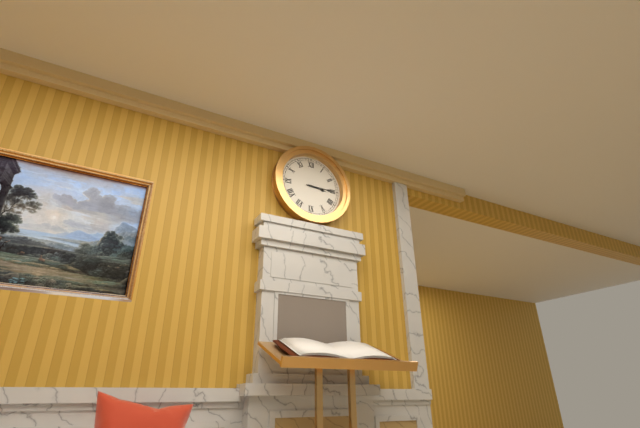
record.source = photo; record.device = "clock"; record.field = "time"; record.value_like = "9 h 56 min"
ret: 3 h 15 min
